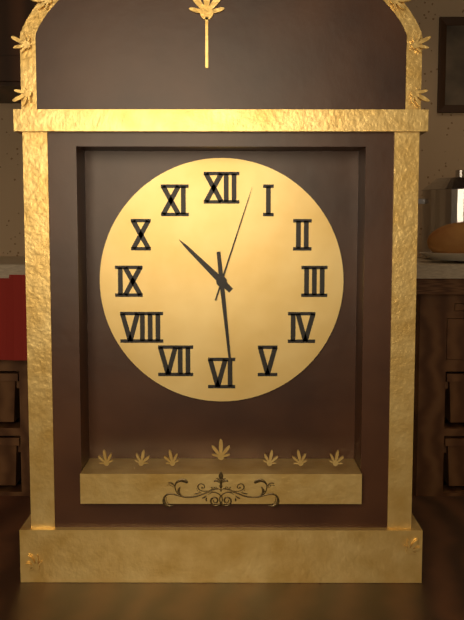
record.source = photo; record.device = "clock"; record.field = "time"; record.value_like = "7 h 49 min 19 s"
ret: 10 h 29 min 03 s
